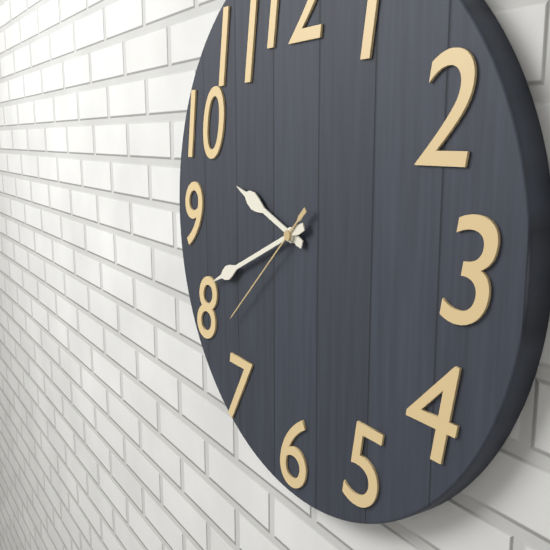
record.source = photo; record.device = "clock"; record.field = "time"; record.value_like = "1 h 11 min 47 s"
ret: 9 h 41 min 38 s
